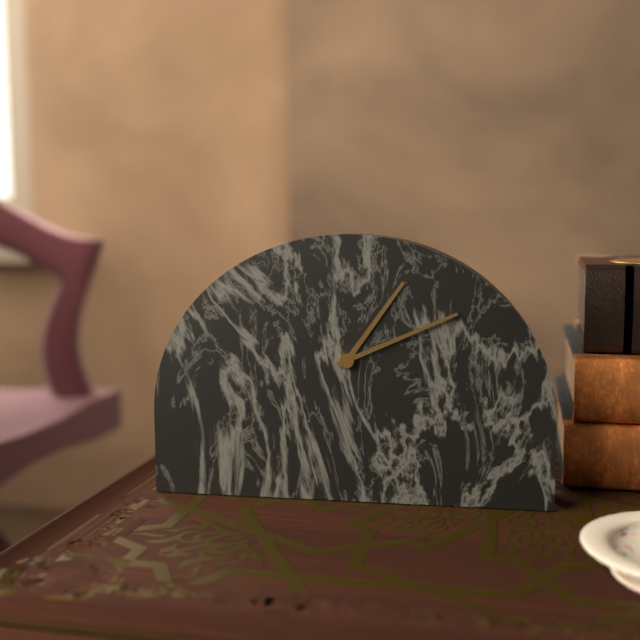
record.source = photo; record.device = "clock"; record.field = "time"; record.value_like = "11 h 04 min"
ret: 1 h 11 min
